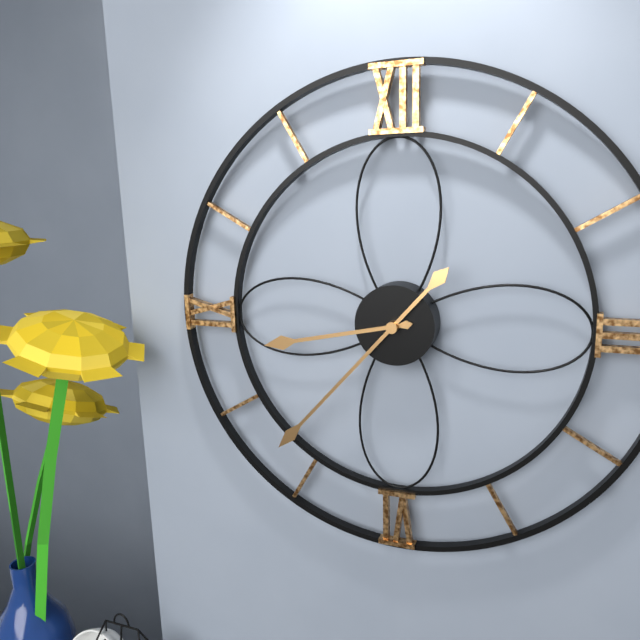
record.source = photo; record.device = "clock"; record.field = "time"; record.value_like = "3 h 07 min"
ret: 8 h 37 min
